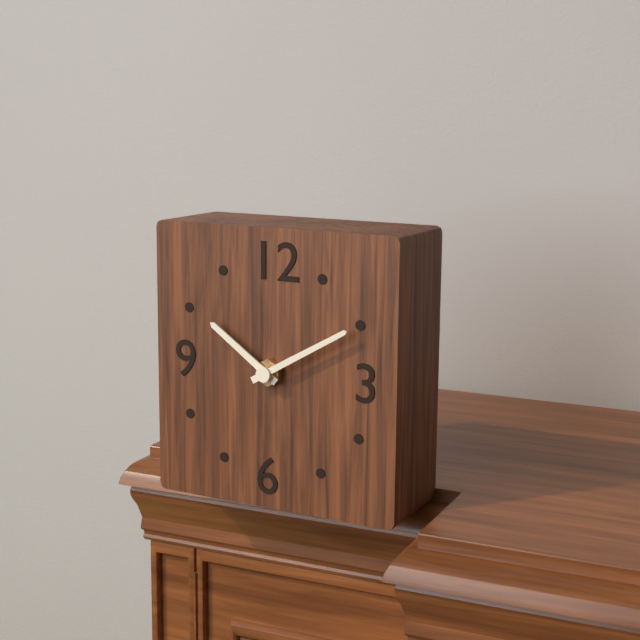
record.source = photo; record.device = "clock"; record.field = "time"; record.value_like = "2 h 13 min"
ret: 10 h 10 min
